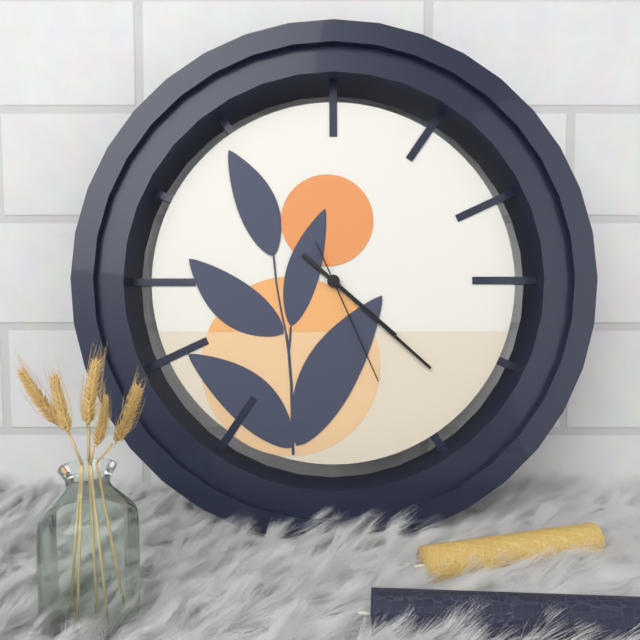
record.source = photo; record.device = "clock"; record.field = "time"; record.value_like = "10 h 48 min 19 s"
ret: 4 h 22 min 26 s
